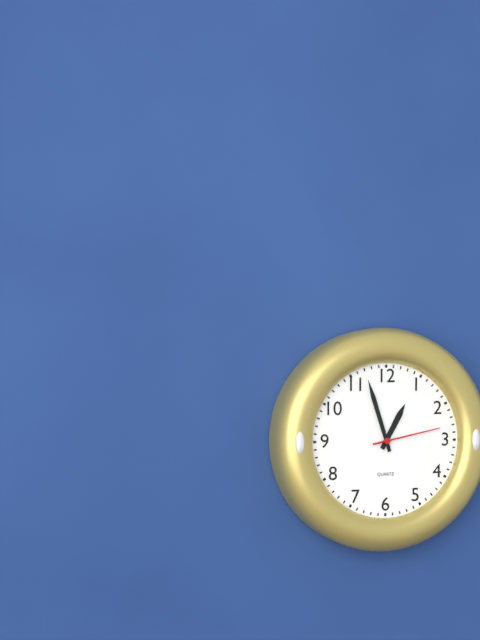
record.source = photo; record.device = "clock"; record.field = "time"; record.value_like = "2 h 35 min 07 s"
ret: 12 h 57 min 13 s
